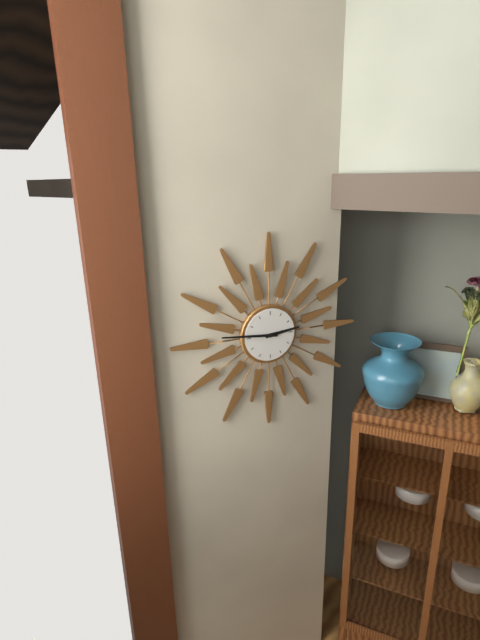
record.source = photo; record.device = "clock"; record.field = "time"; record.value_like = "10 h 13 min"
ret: 2 h 46 min
